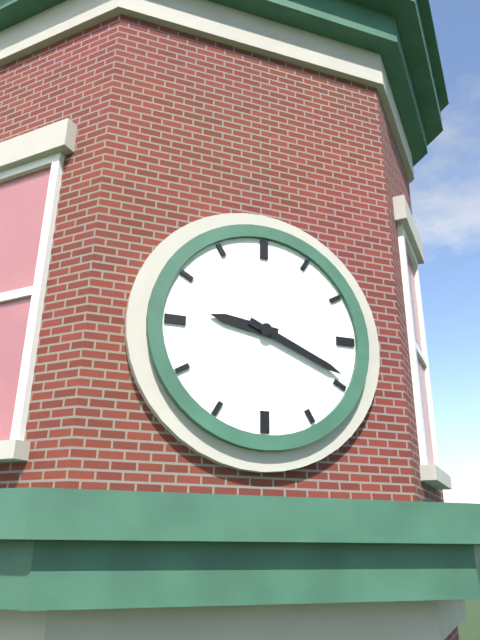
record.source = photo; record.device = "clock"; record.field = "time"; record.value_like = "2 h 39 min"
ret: 9 h 19 min
